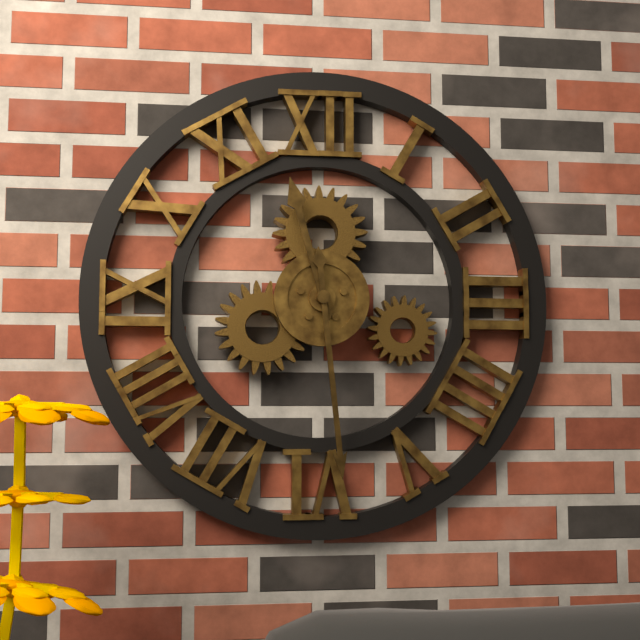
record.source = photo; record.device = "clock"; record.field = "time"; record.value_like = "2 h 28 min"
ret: 11 h 29 min
